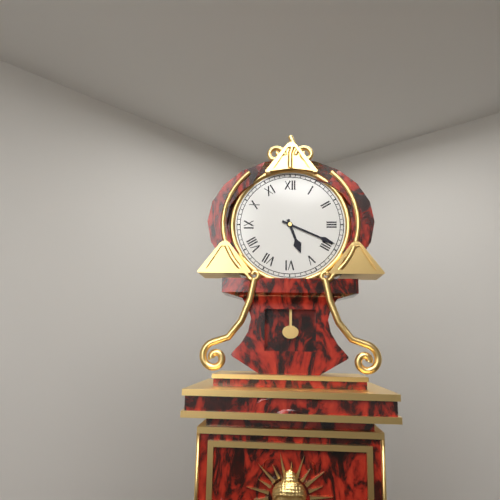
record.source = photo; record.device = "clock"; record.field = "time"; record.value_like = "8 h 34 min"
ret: 5 h 19 min
